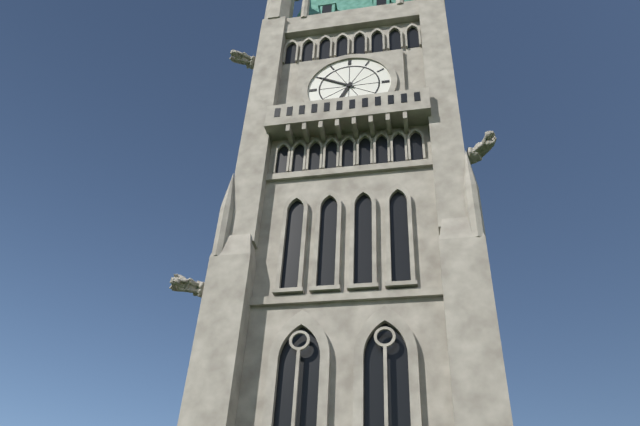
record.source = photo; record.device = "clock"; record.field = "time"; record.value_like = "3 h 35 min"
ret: 6 h 50 min
